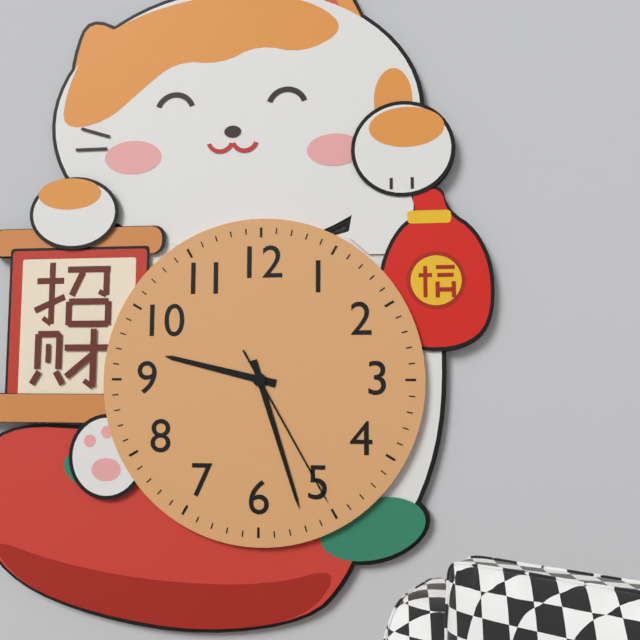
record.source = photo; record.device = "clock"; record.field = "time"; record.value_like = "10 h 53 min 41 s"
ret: 9 h 27 min 25 s
